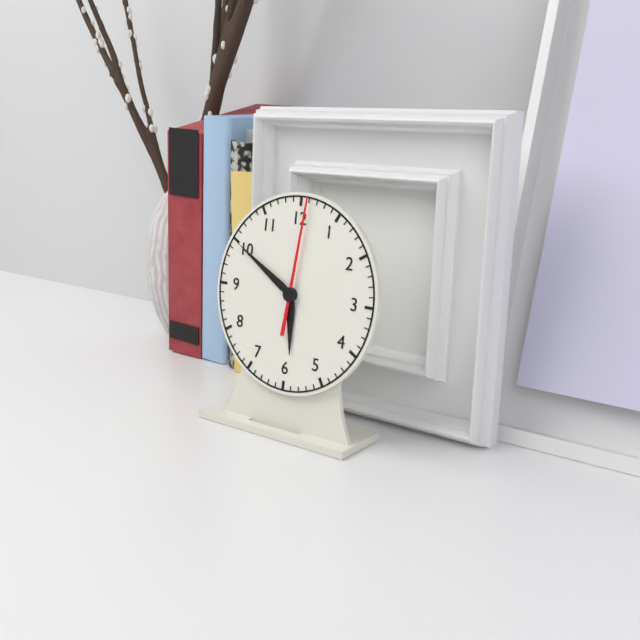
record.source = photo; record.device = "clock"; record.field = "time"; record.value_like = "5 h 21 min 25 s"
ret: 5 h 50 min 01 s
